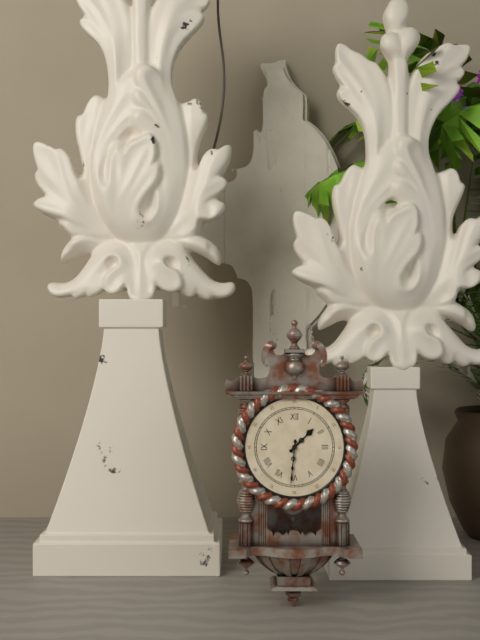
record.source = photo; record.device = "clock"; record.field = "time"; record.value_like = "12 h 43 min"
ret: 1 h 31 min
